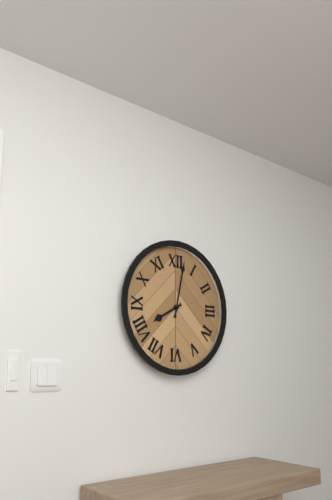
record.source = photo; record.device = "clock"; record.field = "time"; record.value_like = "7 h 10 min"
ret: 8 h 02 min
